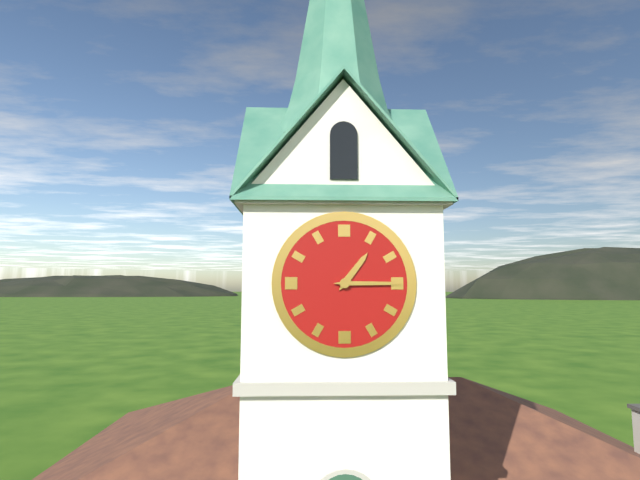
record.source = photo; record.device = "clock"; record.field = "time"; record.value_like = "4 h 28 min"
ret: 1 h 15 min
